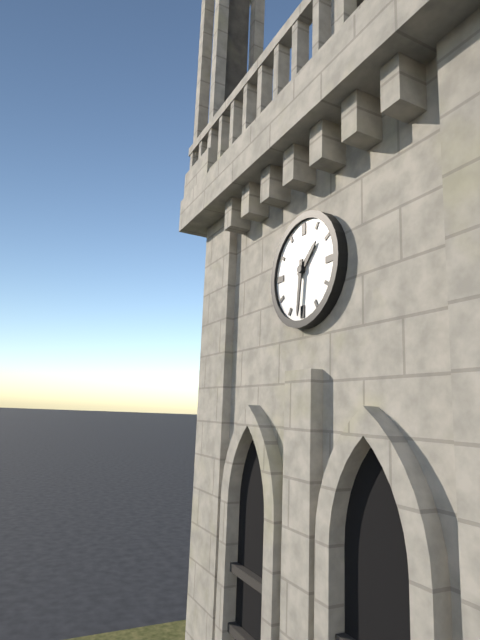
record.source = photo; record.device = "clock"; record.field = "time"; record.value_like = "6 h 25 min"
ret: 1 h 31 min
